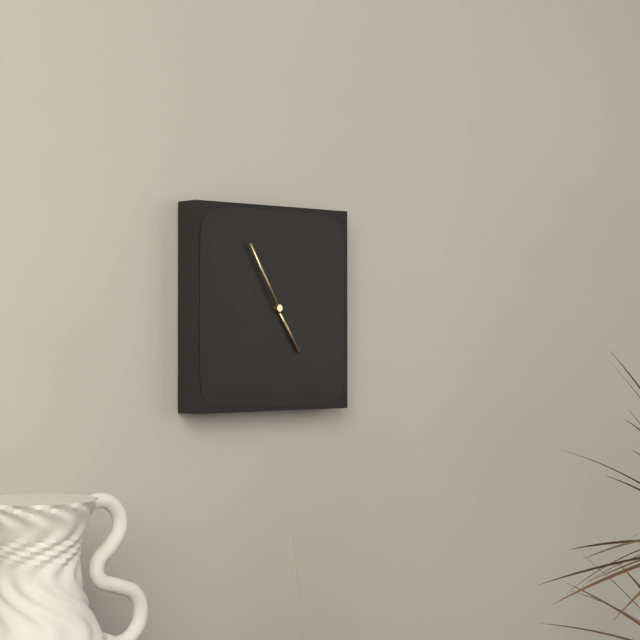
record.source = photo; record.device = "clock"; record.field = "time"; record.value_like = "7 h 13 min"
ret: 4 h 55 min
